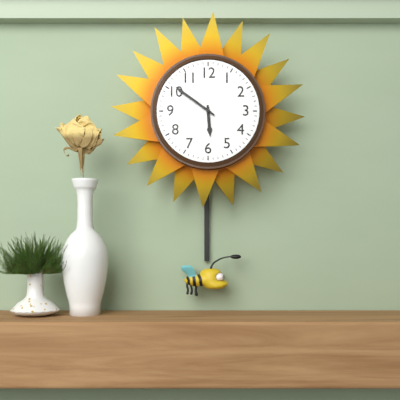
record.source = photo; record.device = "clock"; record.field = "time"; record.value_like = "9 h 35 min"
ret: 5 h 51 min
